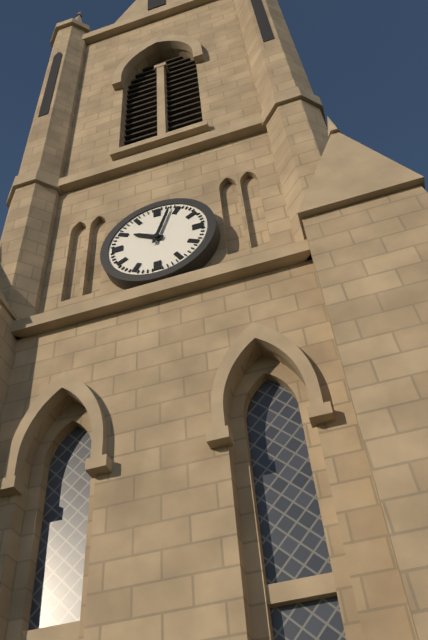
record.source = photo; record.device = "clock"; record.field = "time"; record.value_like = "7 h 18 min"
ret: 10 h 03 min
